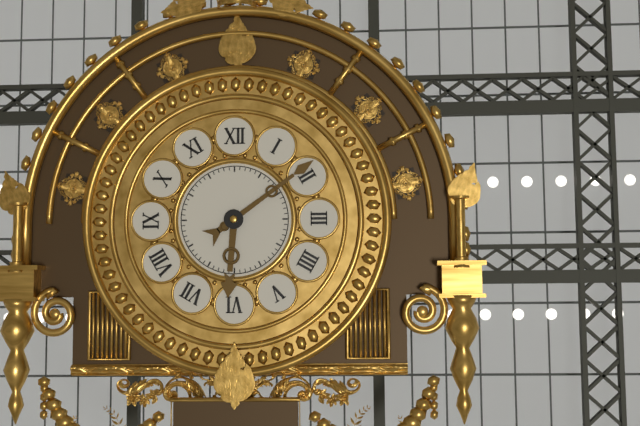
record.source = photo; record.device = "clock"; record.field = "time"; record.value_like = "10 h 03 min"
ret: 6 h 09 min
